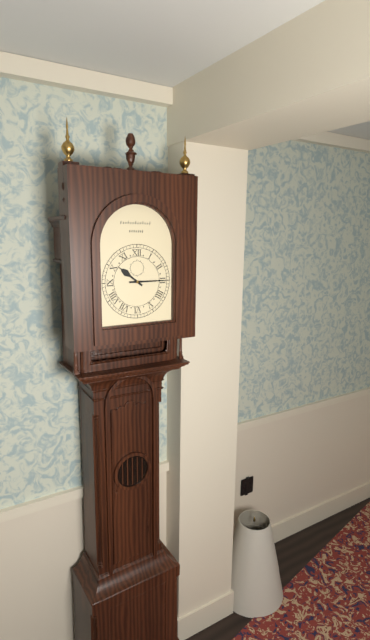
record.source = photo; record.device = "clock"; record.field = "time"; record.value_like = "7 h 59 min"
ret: 10 h 15 min
